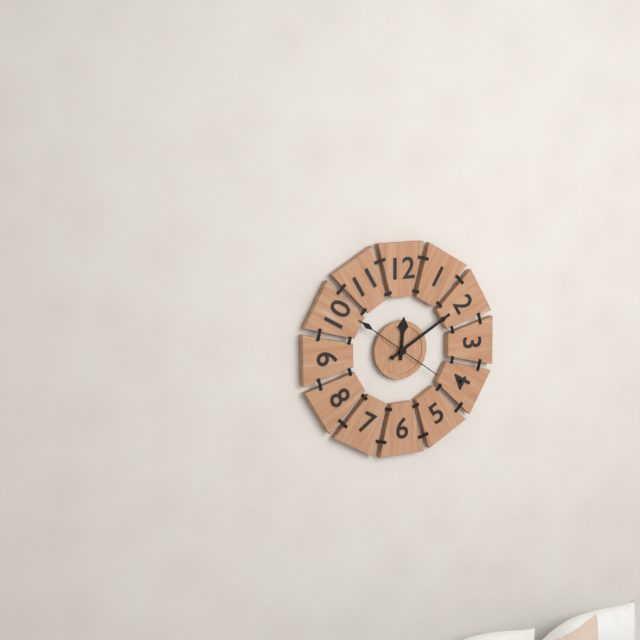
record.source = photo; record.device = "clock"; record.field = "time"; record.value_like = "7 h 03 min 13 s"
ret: 12 h 10 min 51 s
